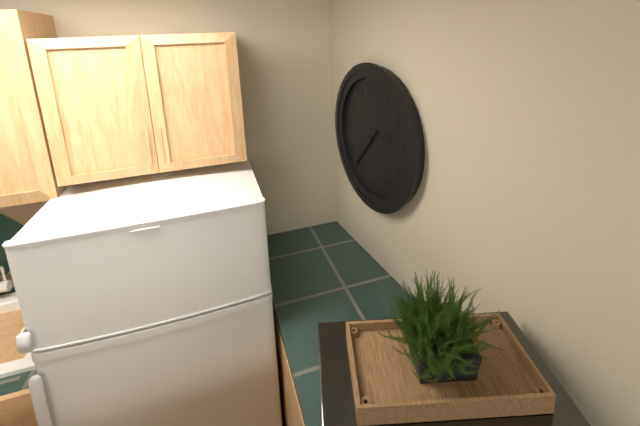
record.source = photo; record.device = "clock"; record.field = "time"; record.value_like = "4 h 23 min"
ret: 2 h 37 min
